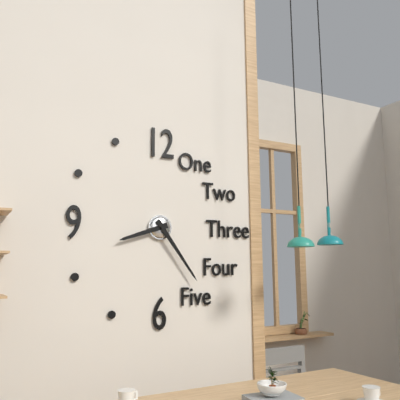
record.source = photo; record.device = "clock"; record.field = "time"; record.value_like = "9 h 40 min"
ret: 8 h 24 min
